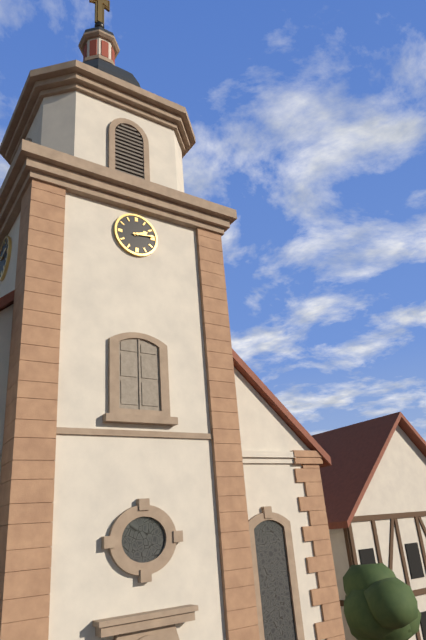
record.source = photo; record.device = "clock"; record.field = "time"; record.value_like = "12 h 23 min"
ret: 2 h 14 min
